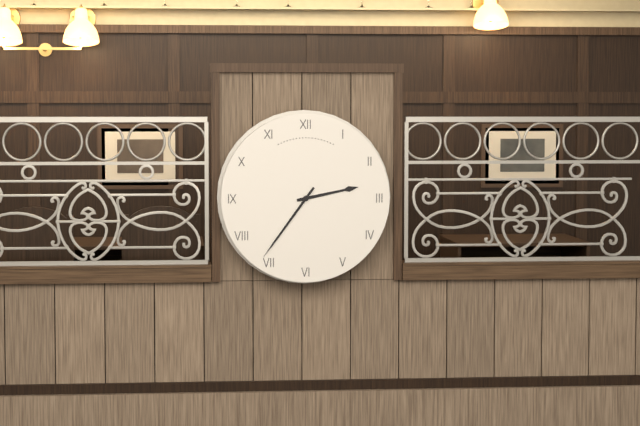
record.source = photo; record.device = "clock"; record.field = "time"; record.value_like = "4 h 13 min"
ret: 2 h 36 min
